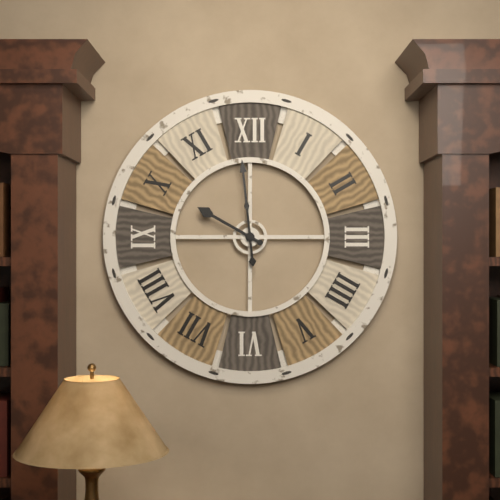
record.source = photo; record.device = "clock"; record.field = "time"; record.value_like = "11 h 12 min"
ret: 9 h 59 min
